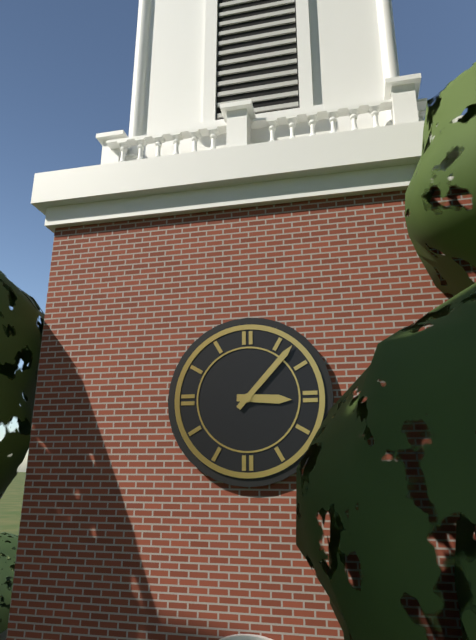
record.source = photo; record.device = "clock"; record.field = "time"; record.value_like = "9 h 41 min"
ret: 3 h 07 min
